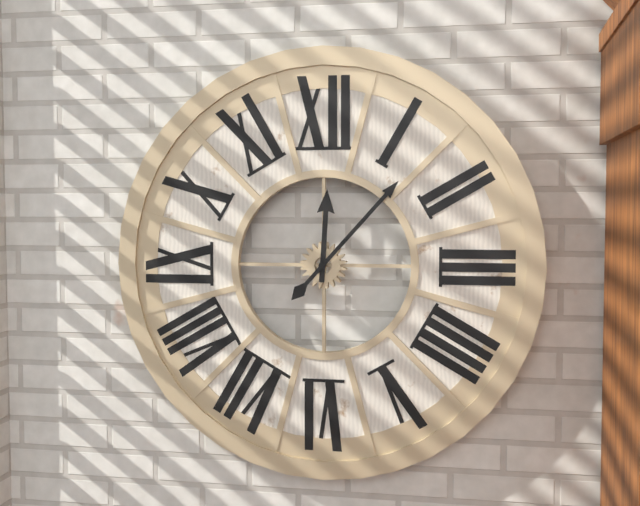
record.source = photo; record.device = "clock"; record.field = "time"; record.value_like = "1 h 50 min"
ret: 12 h 07 min
